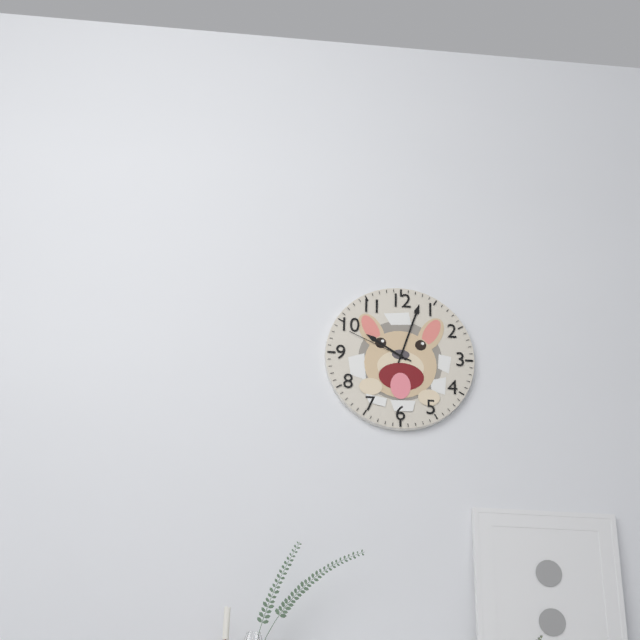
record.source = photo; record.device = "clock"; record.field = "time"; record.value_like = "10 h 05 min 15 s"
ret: 10 h 03 min 49 s
